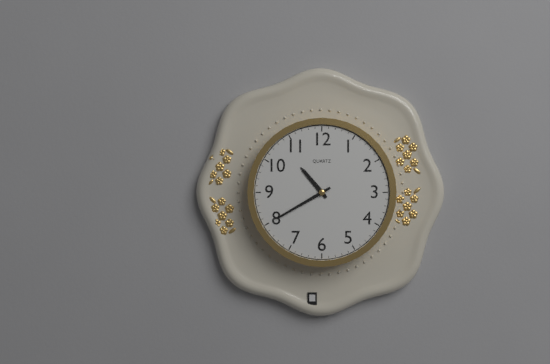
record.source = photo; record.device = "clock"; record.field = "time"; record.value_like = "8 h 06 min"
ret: 10 h 40 min
